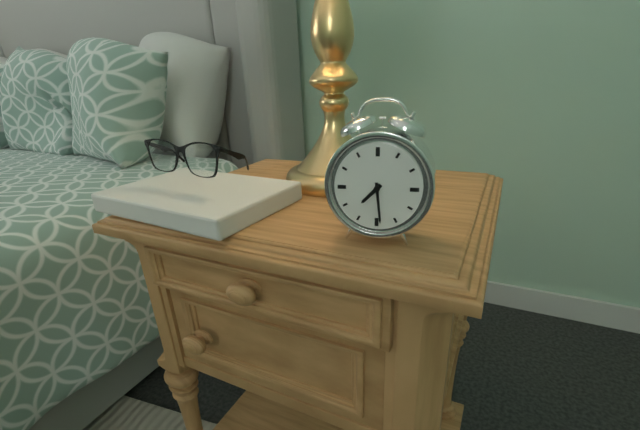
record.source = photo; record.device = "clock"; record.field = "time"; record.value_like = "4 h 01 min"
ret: 7 h 29 min
